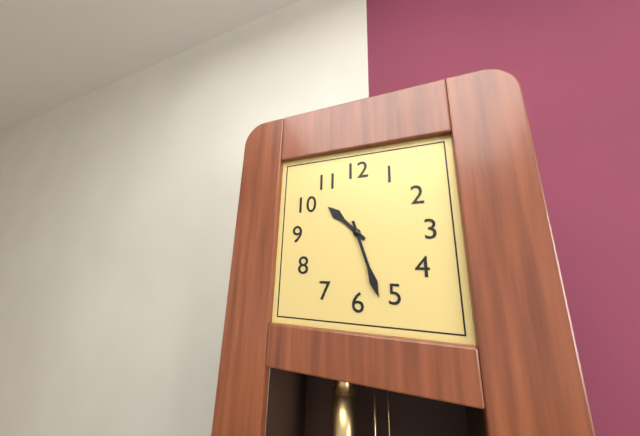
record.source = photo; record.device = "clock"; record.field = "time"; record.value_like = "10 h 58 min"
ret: 10 h 27 min
